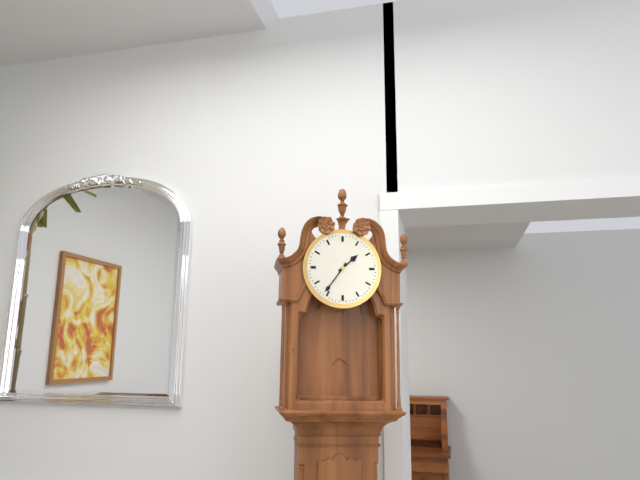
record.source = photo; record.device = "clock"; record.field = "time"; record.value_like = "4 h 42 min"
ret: 1 h 36 min
